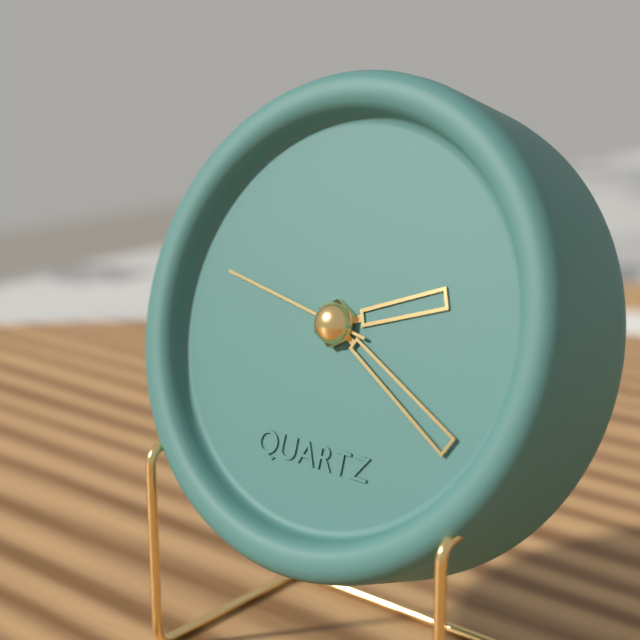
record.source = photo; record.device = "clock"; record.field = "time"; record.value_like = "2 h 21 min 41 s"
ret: 2 h 20 min 47 s
